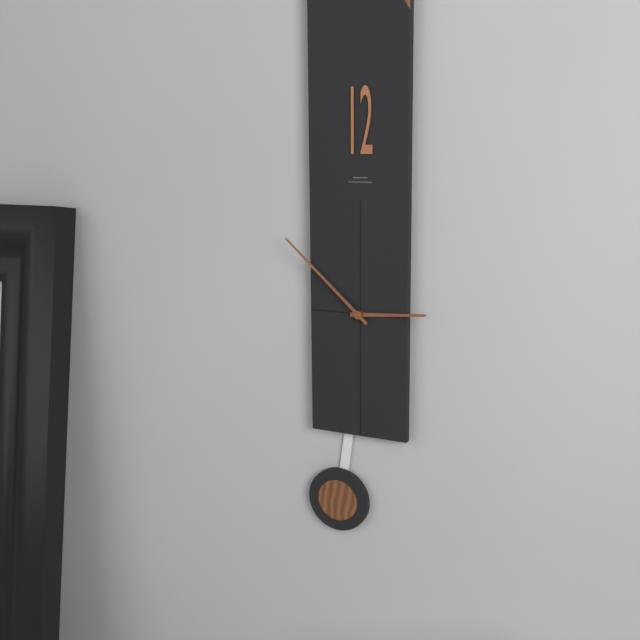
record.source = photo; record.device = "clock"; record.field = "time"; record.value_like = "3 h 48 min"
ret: 2 h 52 min
